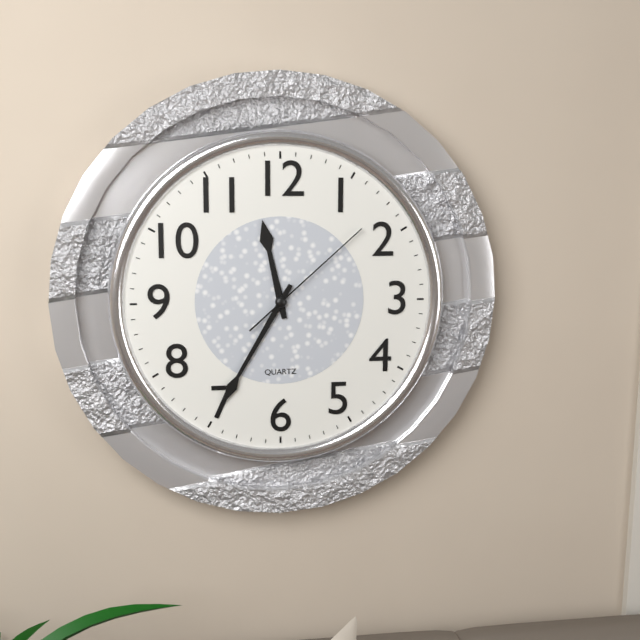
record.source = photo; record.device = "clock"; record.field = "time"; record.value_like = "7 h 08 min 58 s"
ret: 11 h 35 min 08 s
